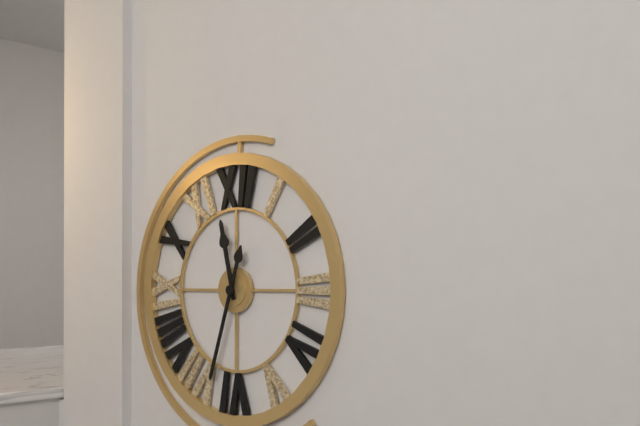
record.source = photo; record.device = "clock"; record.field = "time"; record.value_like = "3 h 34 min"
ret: 11 h 33 min
